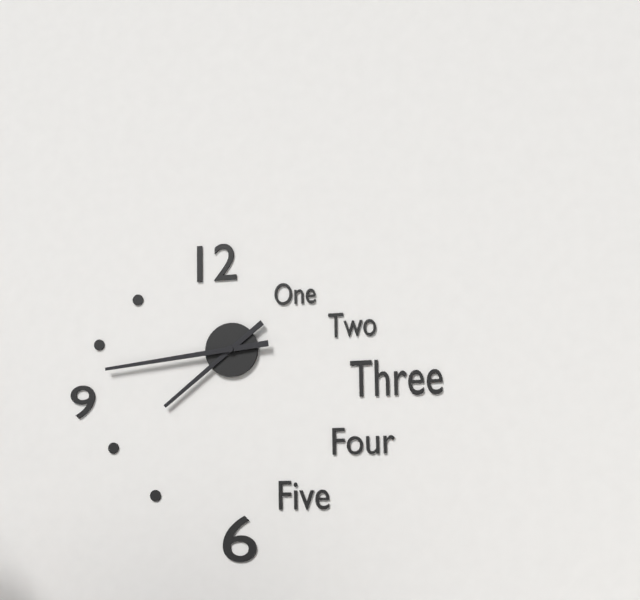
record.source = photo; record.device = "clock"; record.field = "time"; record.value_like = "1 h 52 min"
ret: 7 h 44 min
